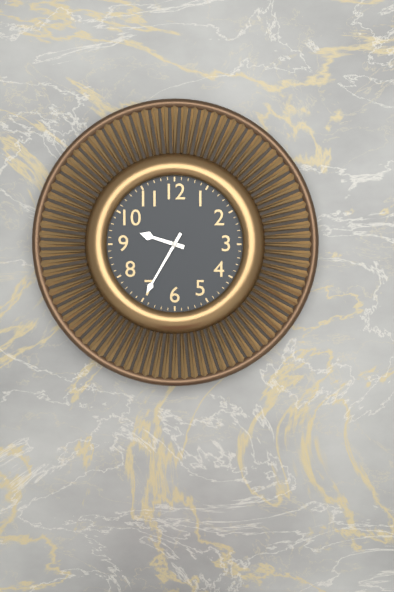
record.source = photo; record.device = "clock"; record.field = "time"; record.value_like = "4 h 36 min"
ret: 9 h 35 min
